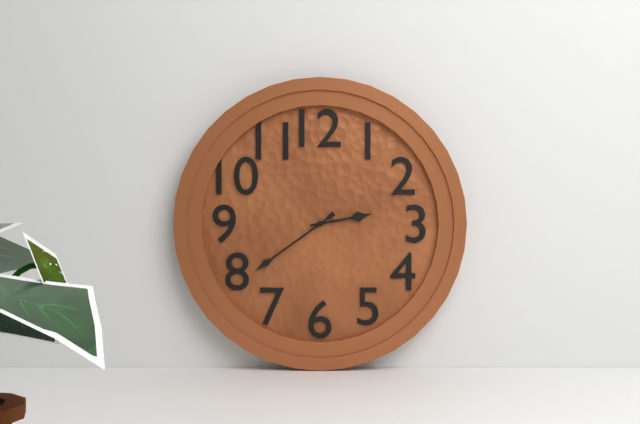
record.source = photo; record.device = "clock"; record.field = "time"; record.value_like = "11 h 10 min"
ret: 2 h 39 min
